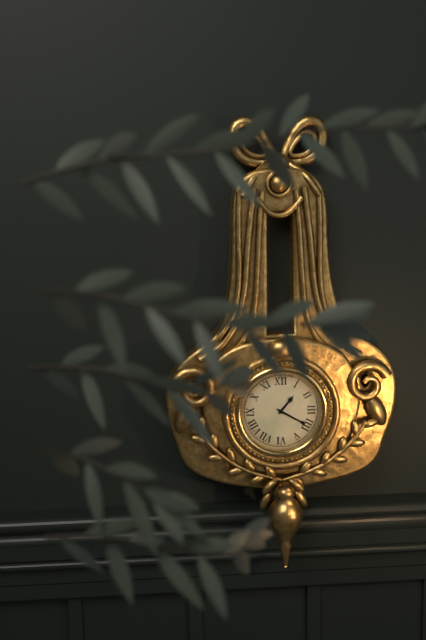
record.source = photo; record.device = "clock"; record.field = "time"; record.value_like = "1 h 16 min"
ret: 1 h 20 min
